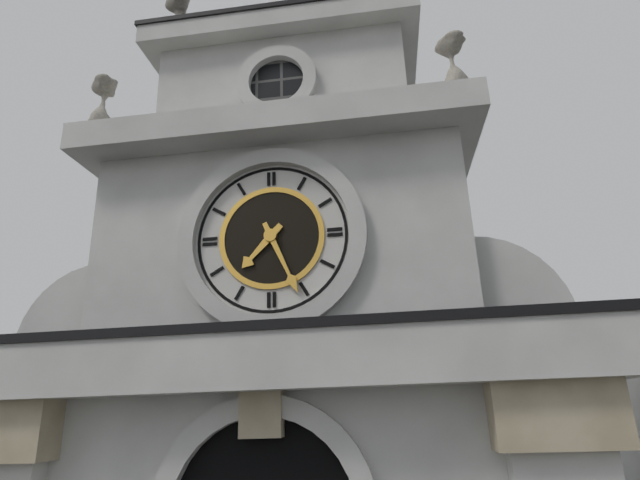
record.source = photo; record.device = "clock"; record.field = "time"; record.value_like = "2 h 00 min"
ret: 7 h 26 min
